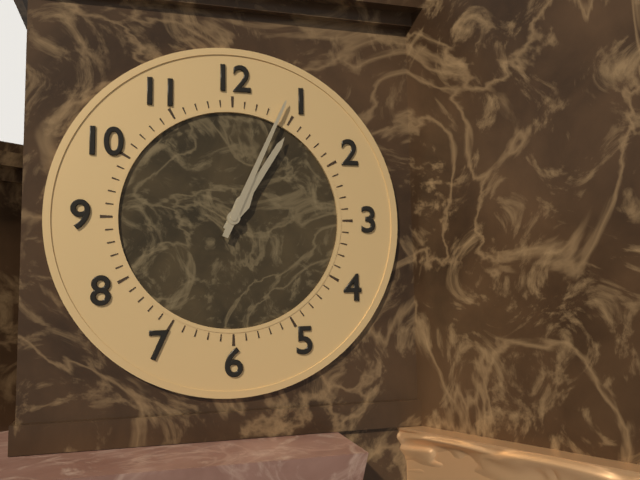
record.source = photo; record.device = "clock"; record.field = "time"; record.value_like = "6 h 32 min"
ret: 1 h 04 min
